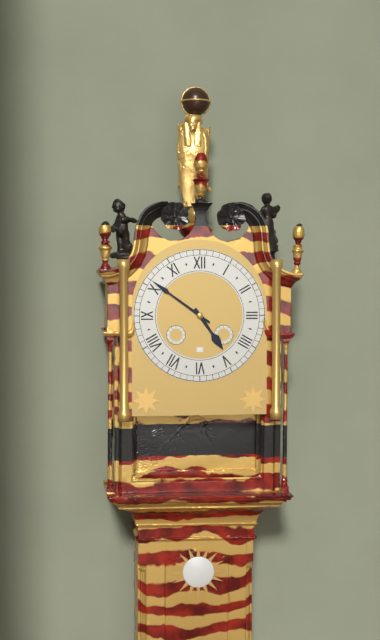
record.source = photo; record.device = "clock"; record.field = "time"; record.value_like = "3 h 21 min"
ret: 4 h 51 min
